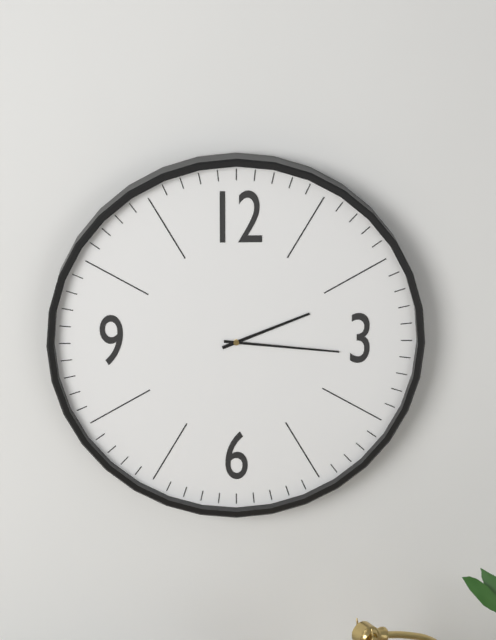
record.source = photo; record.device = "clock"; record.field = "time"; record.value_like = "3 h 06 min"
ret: 2 h 16 min
